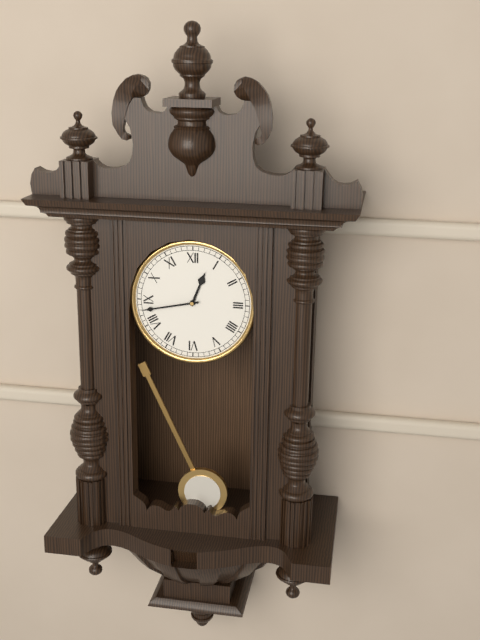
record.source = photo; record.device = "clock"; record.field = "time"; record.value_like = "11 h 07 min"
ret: 12 h 43 min
